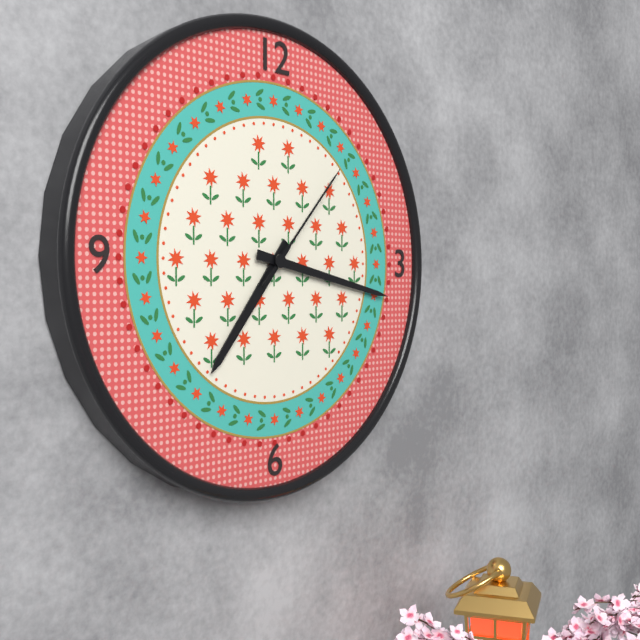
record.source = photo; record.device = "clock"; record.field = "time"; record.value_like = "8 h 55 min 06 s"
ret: 7 h 17 min 07 s
